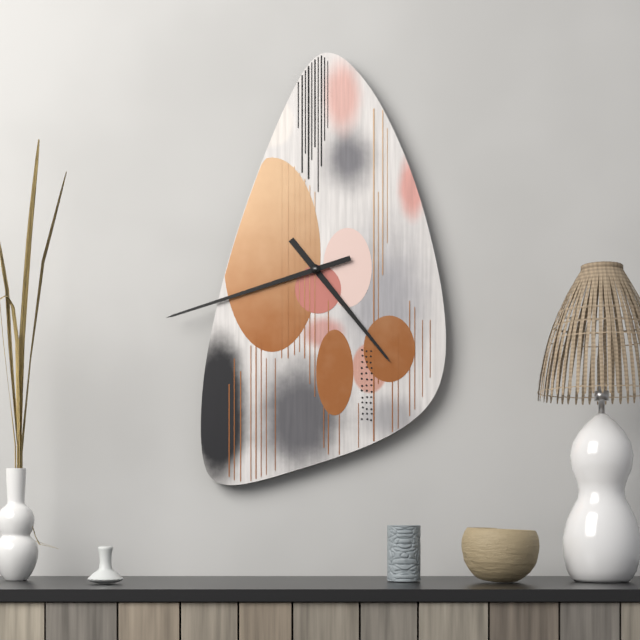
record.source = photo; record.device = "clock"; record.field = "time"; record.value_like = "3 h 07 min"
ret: 4 h 42 min
